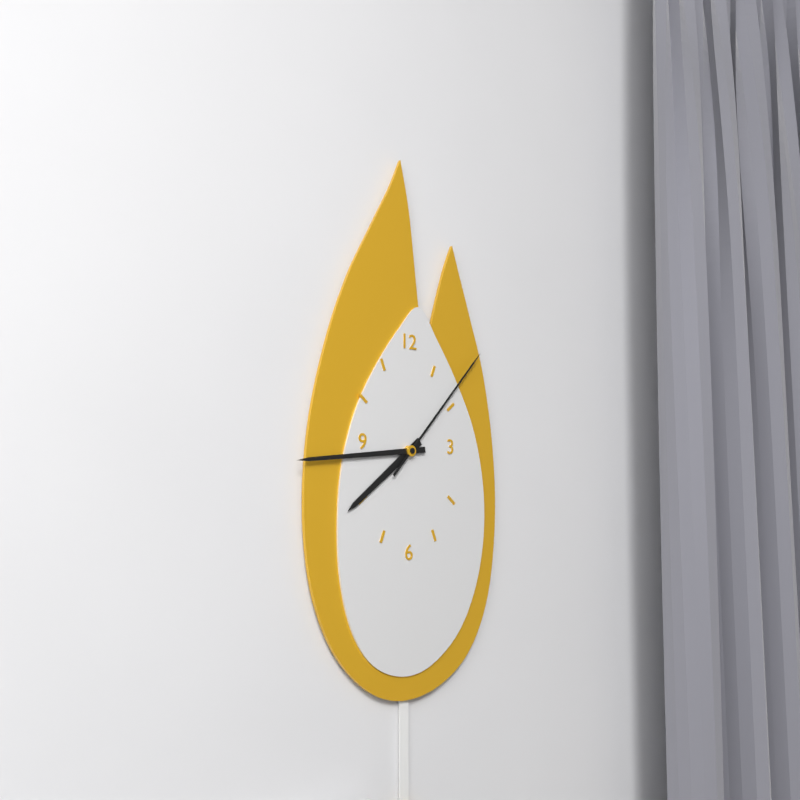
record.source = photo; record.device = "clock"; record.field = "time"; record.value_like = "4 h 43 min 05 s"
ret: 7 h 44 min 07 s
